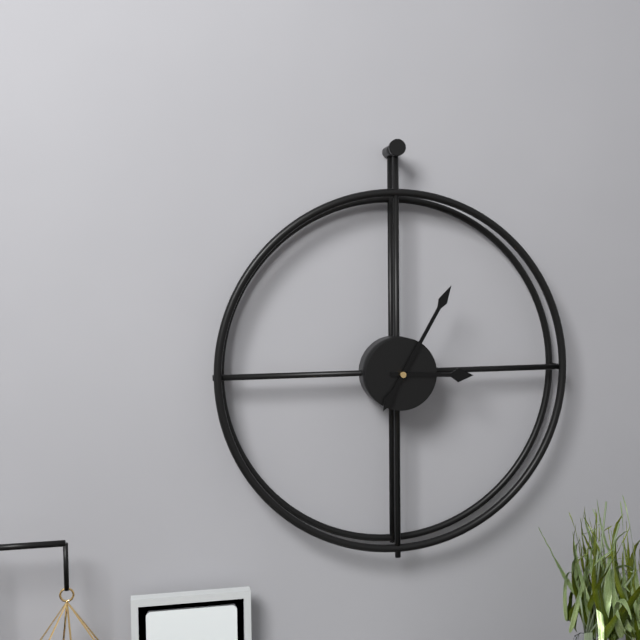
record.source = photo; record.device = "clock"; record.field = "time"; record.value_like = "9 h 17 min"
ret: 3 h 05 min
